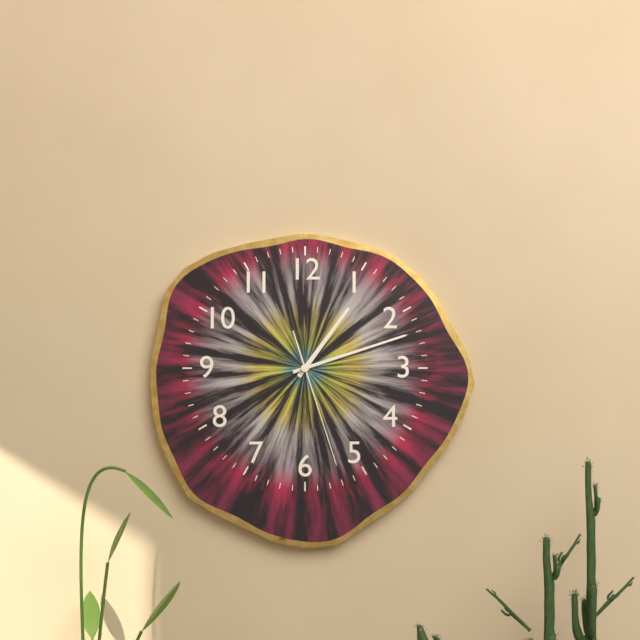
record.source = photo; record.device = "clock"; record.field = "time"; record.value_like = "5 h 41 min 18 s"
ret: 1 h 12 min 27 s
